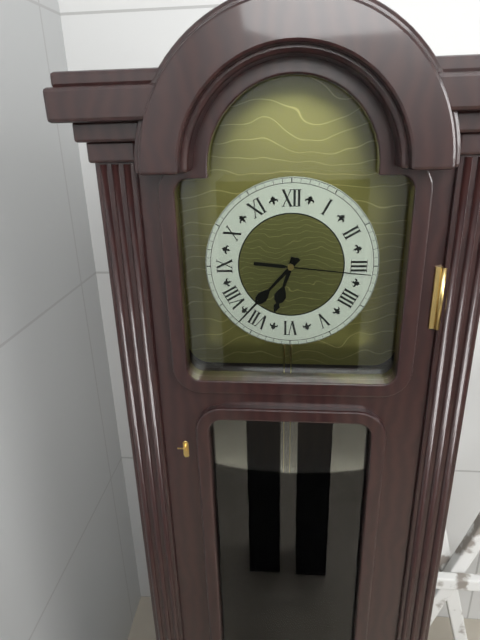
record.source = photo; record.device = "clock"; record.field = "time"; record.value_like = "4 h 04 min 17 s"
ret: 6 h 37 min 16 s
